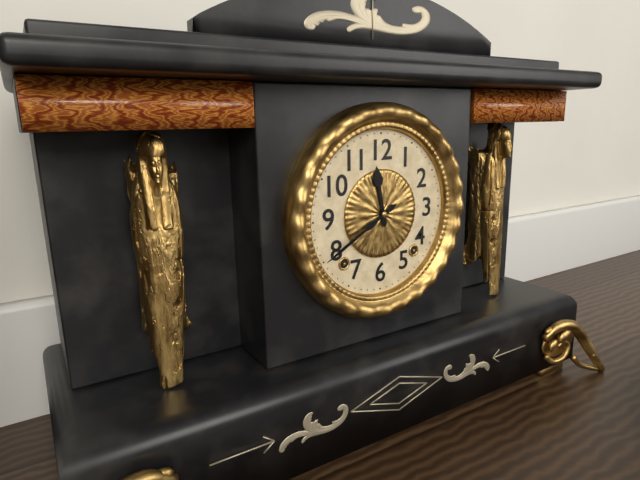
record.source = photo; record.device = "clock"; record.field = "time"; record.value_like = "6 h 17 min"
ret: 11 h 40 min
